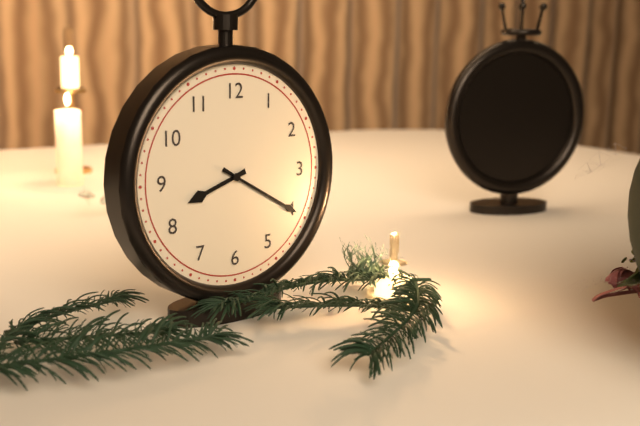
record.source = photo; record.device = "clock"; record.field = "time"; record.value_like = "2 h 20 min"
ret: 8 h 20 min
